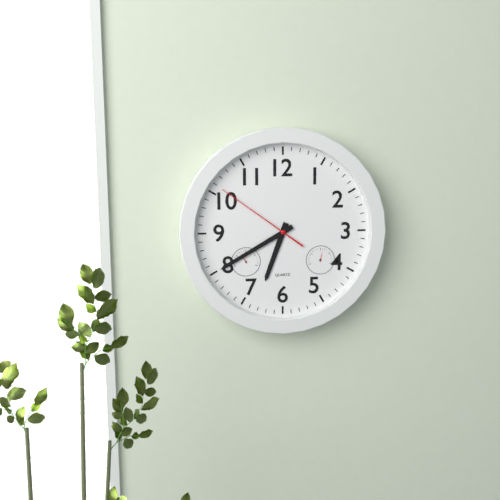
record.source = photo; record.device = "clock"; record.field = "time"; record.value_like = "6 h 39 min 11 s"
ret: 6 h 40 min 51 s
